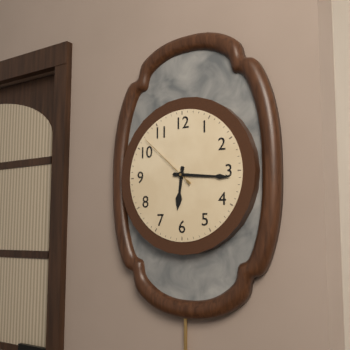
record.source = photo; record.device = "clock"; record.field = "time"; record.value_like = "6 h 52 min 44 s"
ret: 6 h 16 min 52 s
